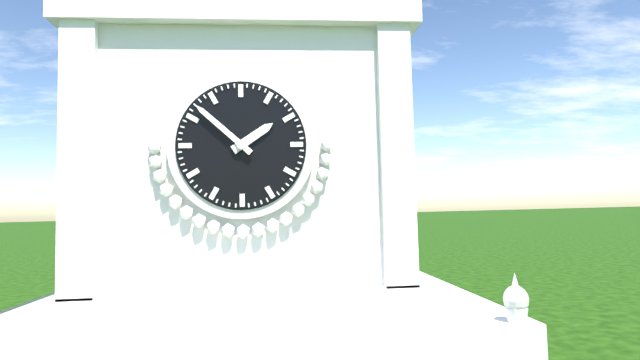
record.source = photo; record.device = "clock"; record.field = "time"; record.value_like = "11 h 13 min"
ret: 1 h 52 min
